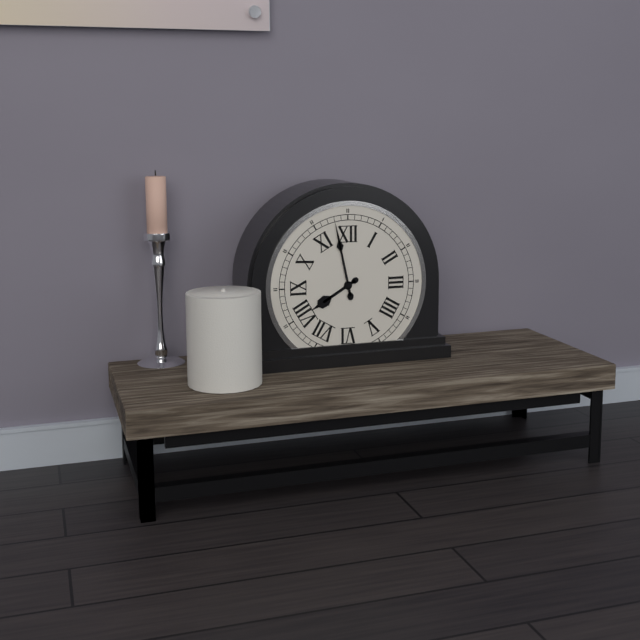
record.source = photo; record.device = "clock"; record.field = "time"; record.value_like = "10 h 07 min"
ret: 7 h 58 min
